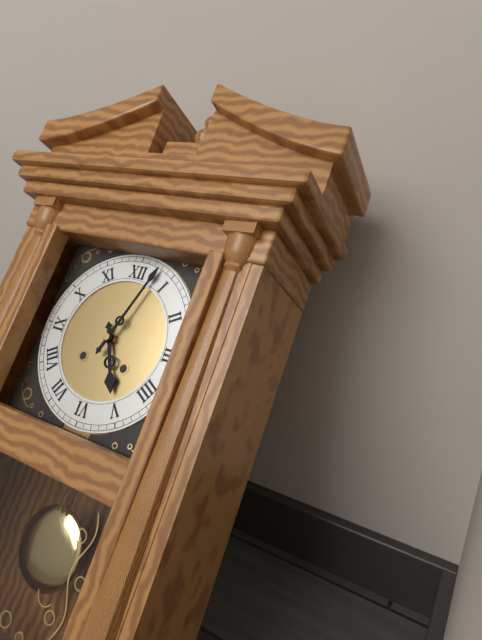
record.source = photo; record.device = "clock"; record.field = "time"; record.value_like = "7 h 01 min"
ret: 5 h 03 min
